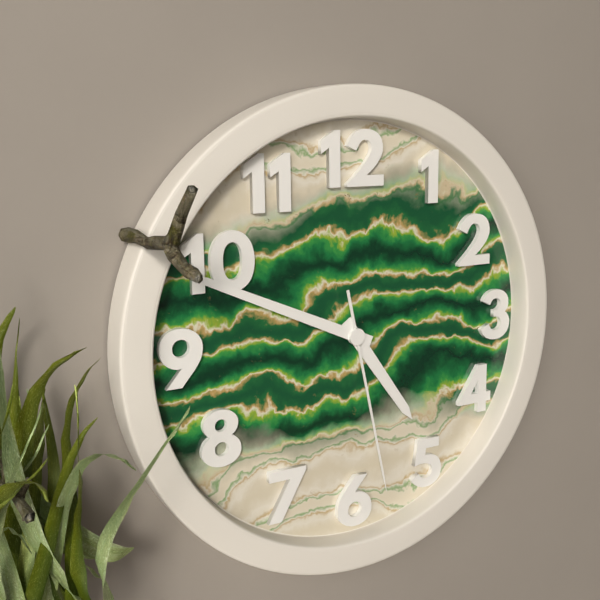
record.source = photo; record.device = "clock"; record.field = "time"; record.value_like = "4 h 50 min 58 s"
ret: 4 h 49 min 28 s
